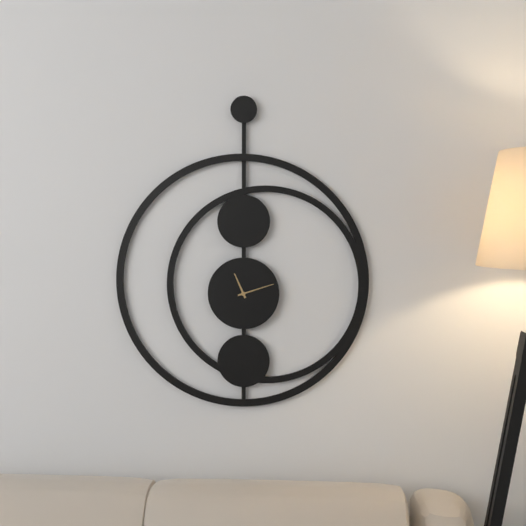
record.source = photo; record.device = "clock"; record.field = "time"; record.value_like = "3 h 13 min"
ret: 11 h 12 min
